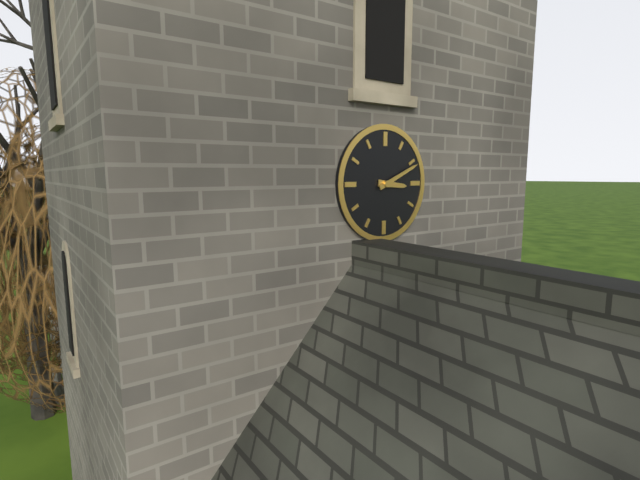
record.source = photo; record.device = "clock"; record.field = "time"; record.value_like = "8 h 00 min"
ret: 3 h 11 min
